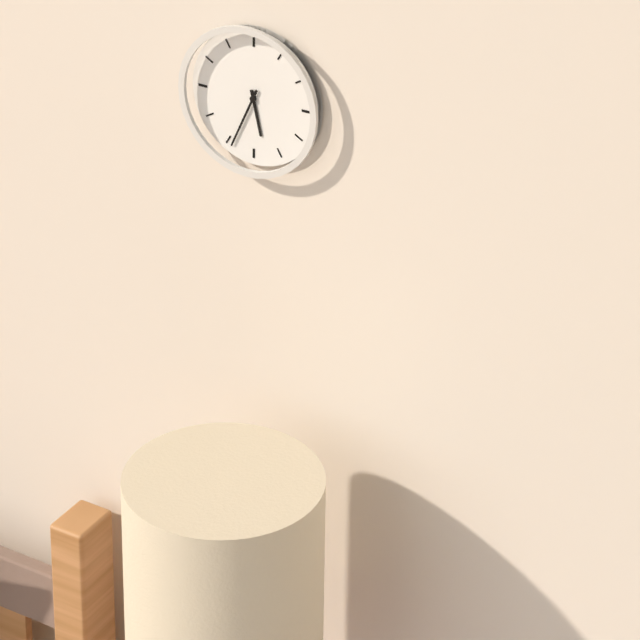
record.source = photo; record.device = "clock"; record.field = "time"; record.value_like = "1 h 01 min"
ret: 5 h 34 min
